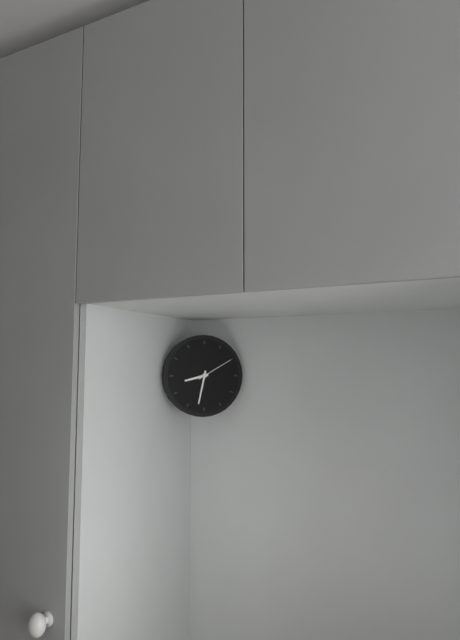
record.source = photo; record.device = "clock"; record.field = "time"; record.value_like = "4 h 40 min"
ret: 8 h 32 min
